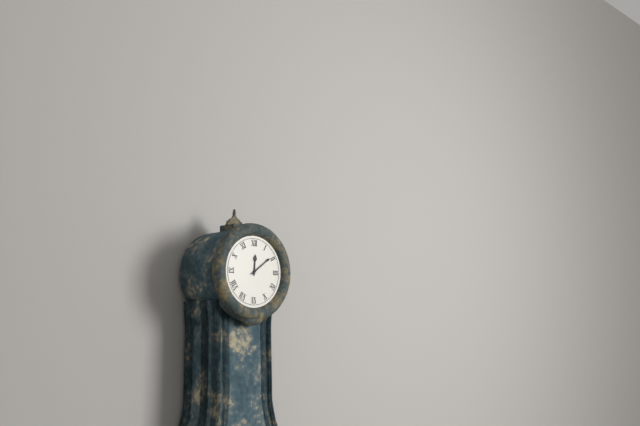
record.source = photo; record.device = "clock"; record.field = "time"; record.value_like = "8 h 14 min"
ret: 12 h 09 min
